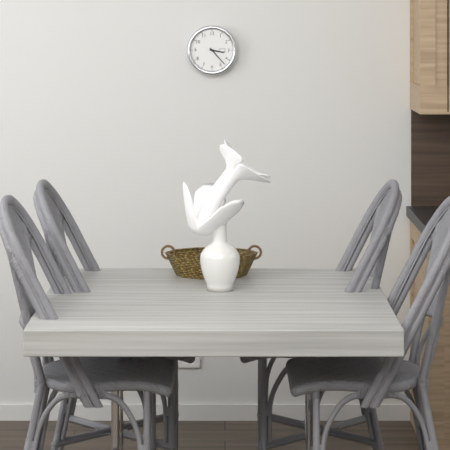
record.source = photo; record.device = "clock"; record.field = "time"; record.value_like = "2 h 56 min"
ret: 3 h 23 min
